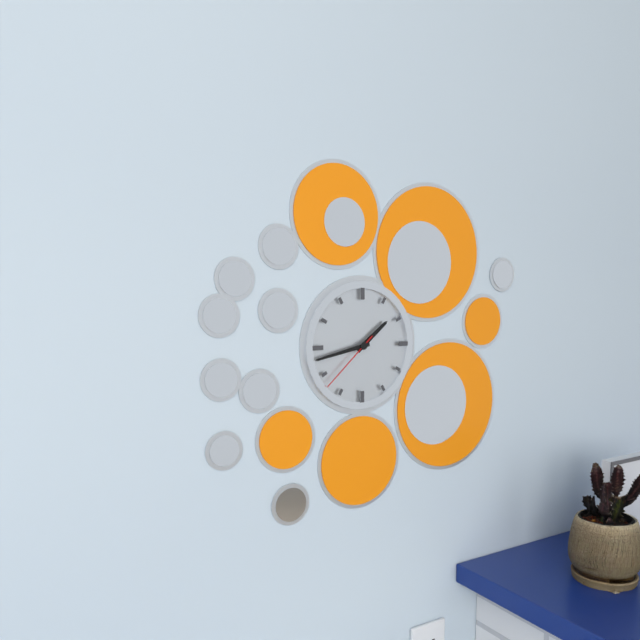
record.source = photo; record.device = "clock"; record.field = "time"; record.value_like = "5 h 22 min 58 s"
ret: 1 h 43 min 38 s
